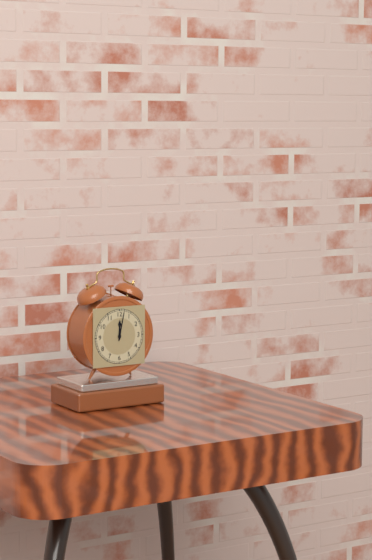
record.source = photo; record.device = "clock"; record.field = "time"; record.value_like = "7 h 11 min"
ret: 12 h 02 min
